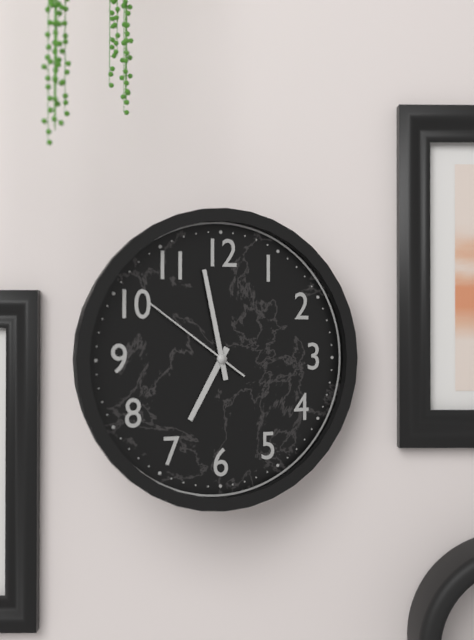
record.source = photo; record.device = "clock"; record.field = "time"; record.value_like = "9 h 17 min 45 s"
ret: 6 h 58 min 51 s
